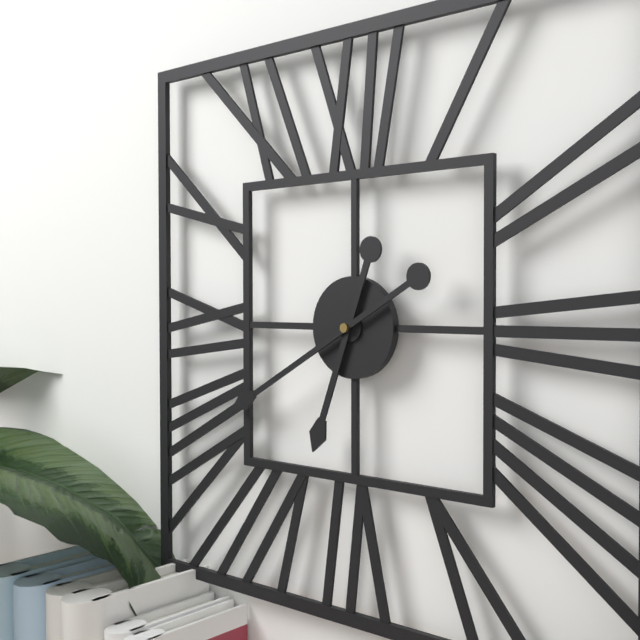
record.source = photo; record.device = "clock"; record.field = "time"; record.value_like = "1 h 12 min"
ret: 6 h 40 min
